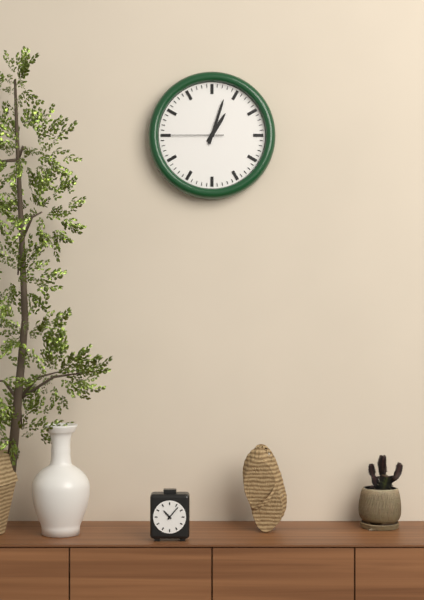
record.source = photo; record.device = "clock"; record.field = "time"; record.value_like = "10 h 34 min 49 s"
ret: 1 h 03 min 45 s
